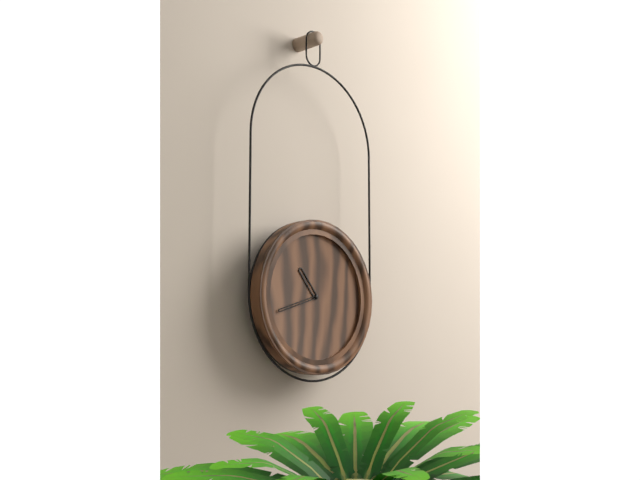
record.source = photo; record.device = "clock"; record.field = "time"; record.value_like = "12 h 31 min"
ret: 10 h 42 min
